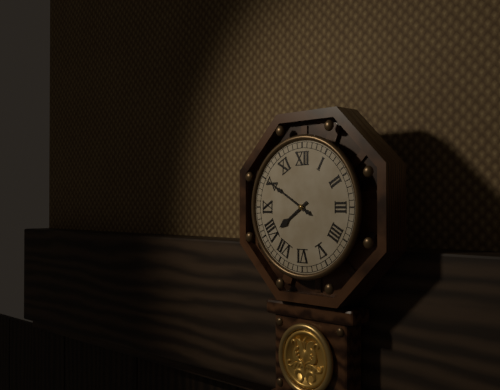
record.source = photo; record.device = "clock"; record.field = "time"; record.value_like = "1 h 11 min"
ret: 7 h 50 min
